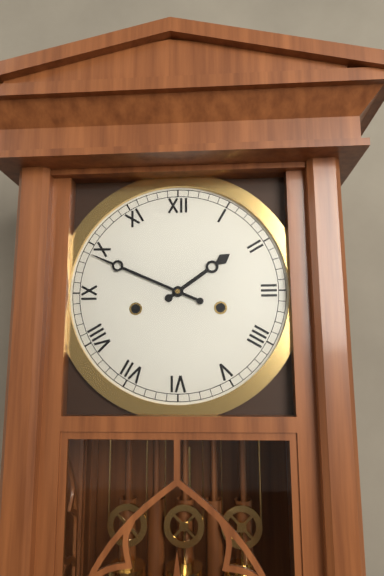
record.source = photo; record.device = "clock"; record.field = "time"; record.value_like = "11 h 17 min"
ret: 1 h 49 min
